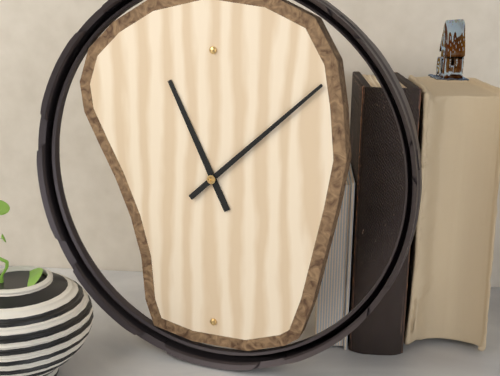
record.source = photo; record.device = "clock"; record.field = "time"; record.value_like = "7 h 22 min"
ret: 11 h 08 min
